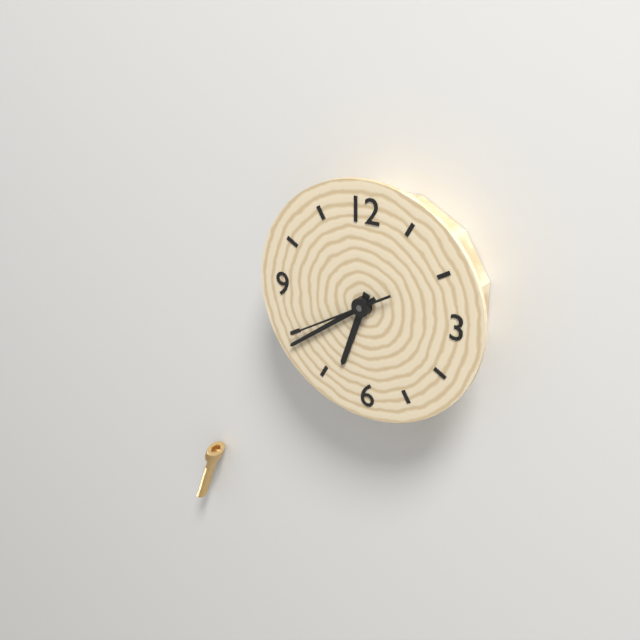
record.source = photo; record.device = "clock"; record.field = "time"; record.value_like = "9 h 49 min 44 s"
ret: 6 h 39 min 40 s
